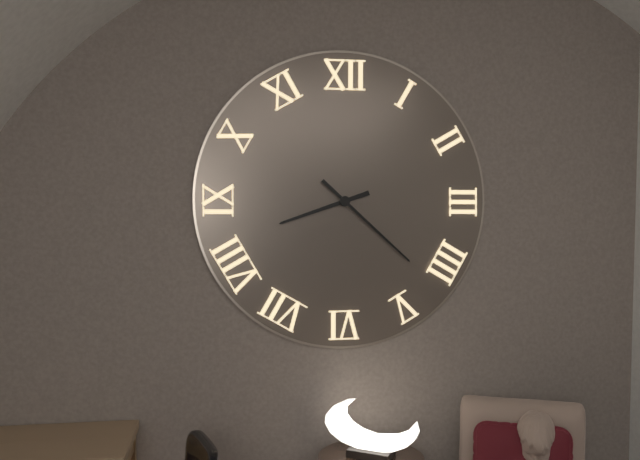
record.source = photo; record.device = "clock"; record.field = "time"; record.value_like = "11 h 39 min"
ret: 8 h 22 min
